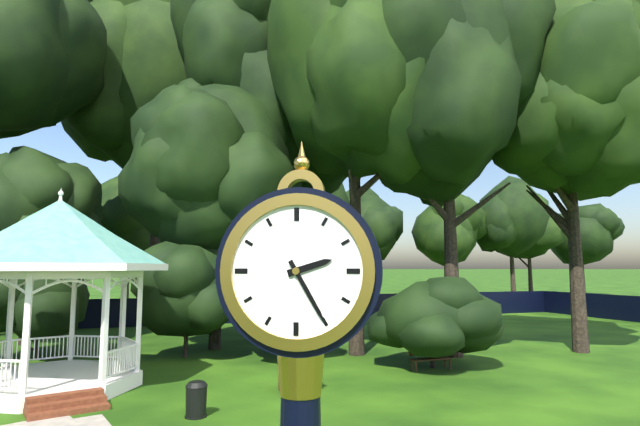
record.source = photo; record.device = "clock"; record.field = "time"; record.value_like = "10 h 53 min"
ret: 2 h 25 min
